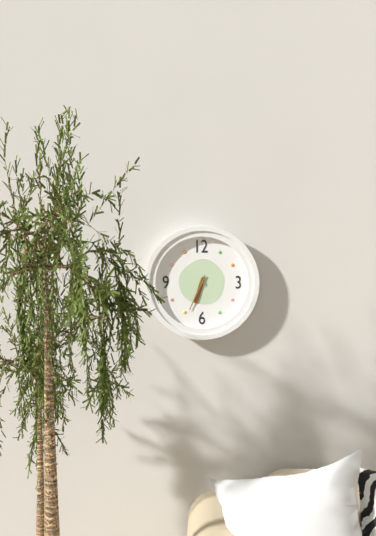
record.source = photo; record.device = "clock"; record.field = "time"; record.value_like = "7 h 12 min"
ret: 6 h 34 min
